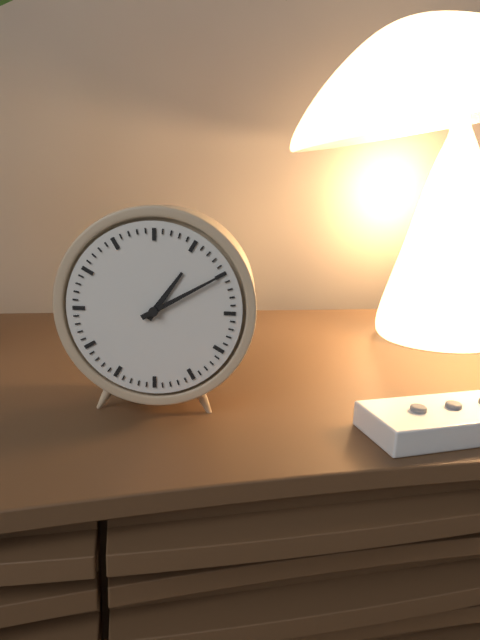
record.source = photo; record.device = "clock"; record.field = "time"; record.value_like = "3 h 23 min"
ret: 1 h 10 min
